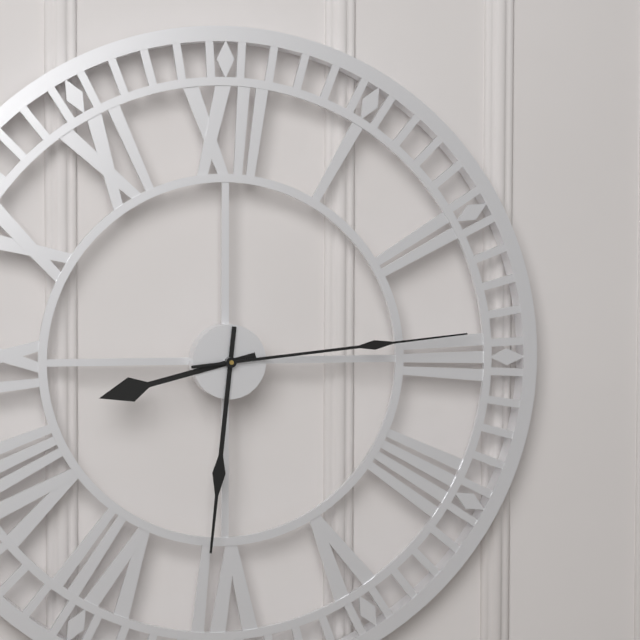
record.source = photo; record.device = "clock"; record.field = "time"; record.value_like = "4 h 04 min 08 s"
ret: 8 h 31 min 14 s
